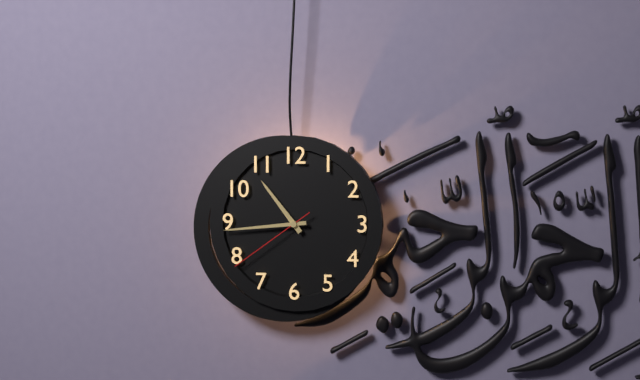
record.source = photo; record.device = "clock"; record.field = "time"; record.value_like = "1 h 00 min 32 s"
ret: 10 h 44 min 39 s
